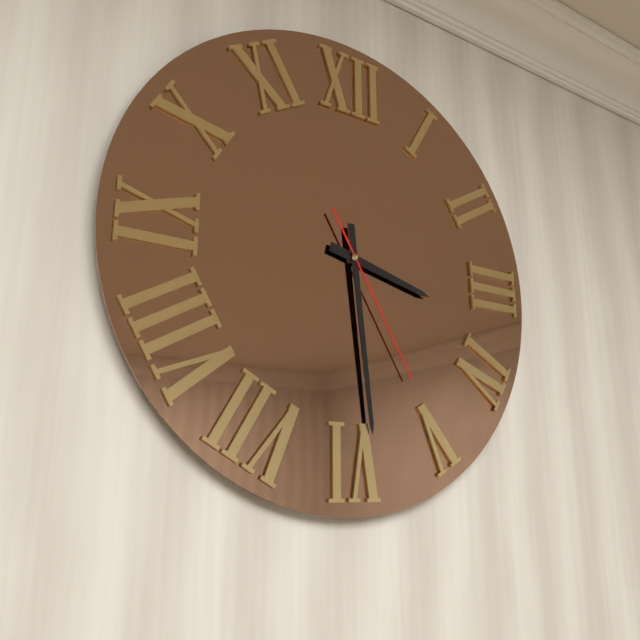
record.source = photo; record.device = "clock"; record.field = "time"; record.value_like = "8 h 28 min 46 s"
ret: 3 h 29 min 25 s
